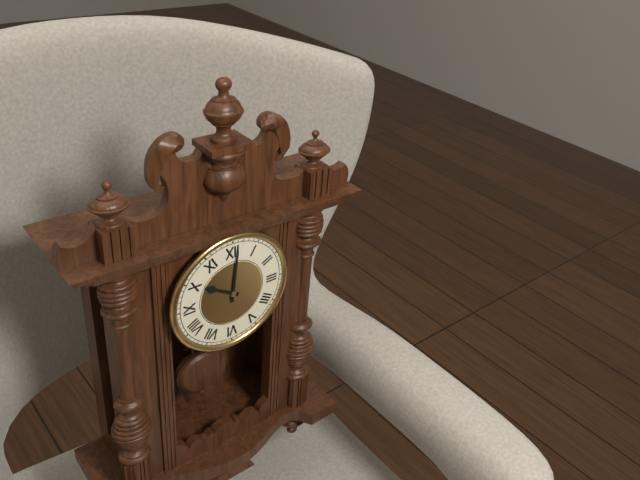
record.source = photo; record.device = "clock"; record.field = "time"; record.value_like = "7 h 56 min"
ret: 10 h 01 min
